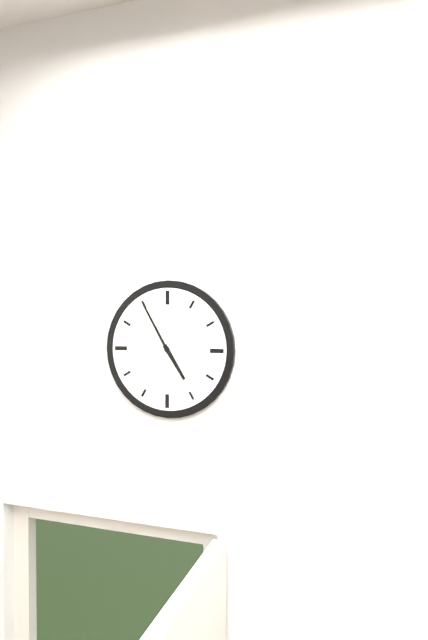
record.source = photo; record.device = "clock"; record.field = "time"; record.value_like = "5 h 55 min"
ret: 4 h 55 min
